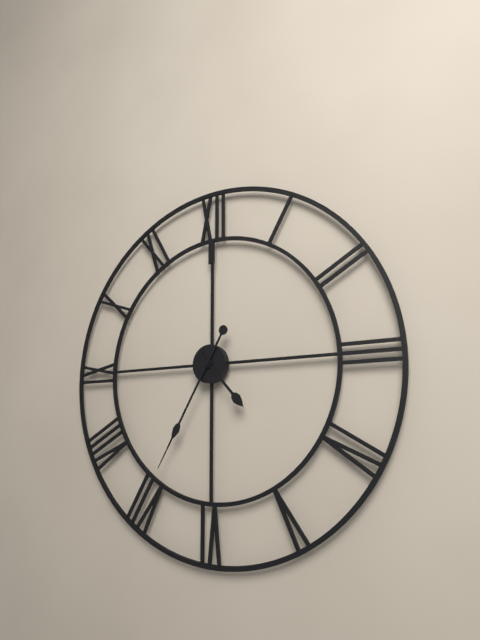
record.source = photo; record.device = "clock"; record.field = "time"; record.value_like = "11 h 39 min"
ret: 4 h 35 min
